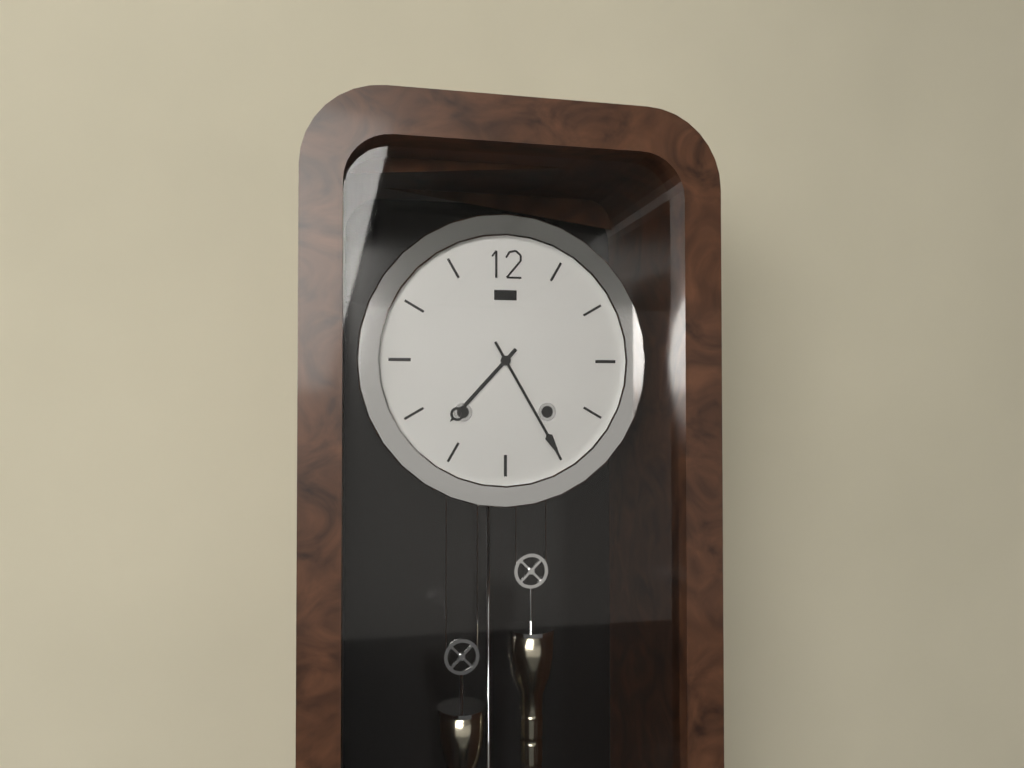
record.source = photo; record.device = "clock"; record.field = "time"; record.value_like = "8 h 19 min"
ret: 7 h 25 min
